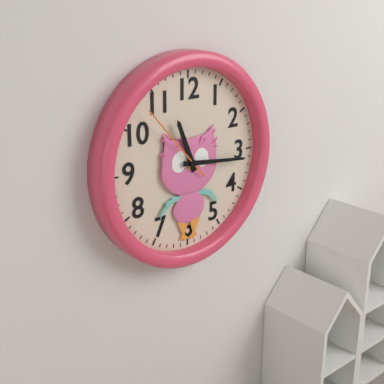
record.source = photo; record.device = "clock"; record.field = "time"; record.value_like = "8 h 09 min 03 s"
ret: 11 h 16 min 53 s
